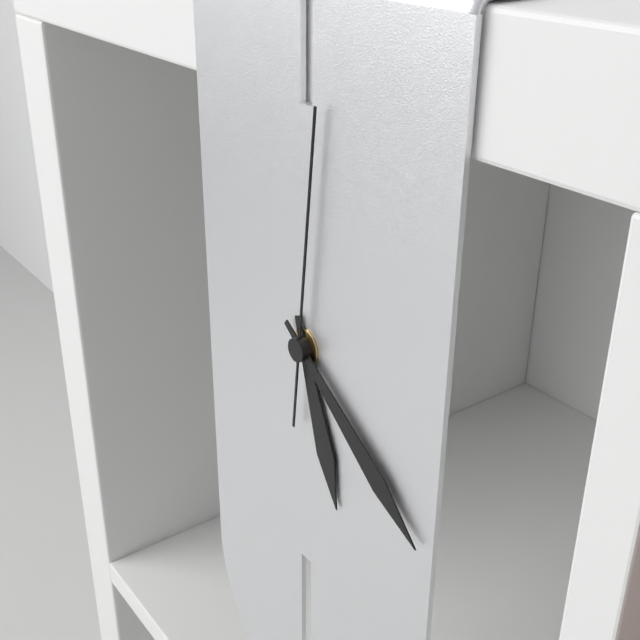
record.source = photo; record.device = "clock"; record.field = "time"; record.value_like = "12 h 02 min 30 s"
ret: 5 h 21 min 01 s
